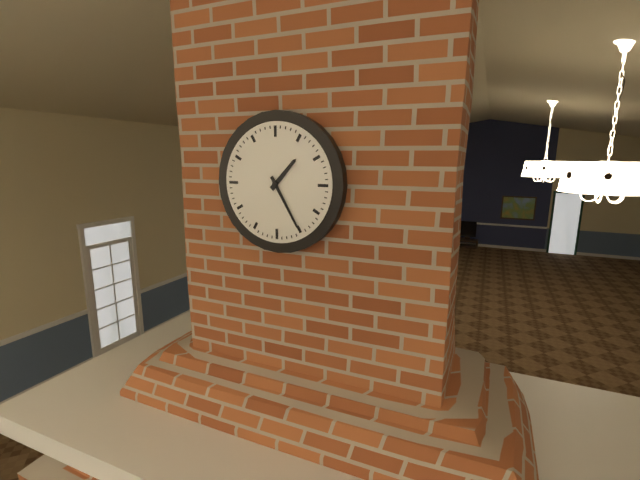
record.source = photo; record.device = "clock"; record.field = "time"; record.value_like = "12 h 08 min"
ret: 1 h 25 min
